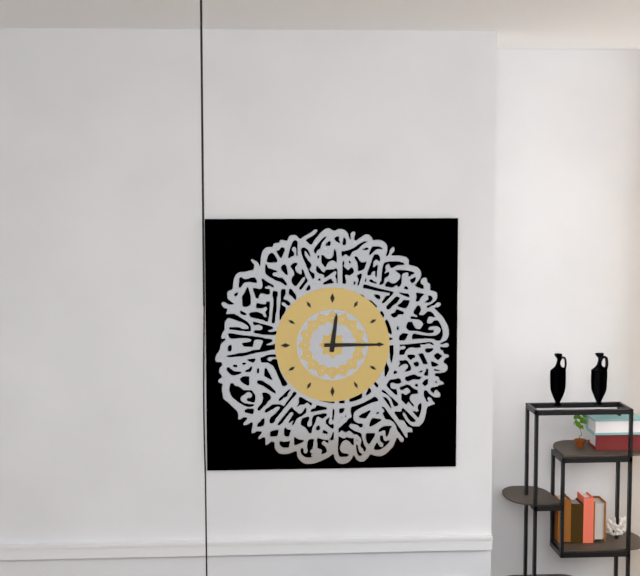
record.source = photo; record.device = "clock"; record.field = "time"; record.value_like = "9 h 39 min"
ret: 12 h 15 min
